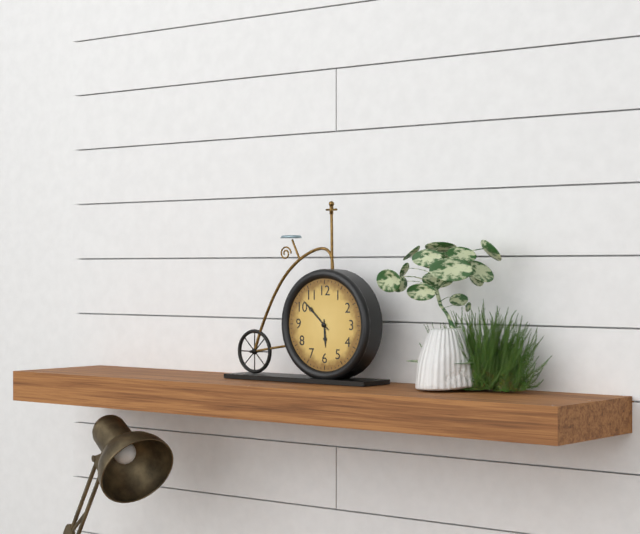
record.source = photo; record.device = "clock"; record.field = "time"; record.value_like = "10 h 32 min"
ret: 5 h 52 min
